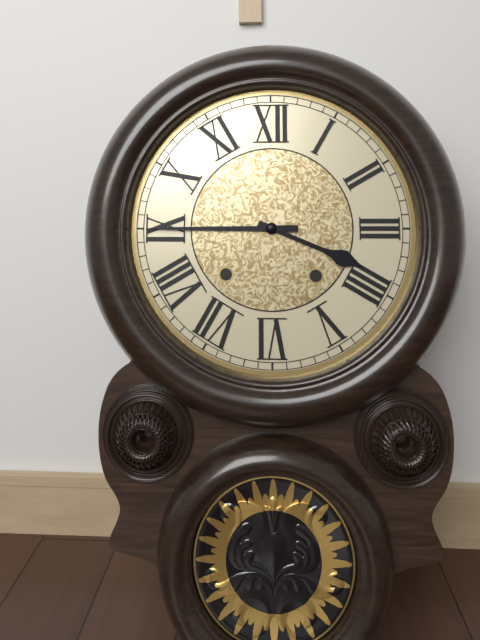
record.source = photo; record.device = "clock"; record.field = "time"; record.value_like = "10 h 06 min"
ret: 3 h 45 min
